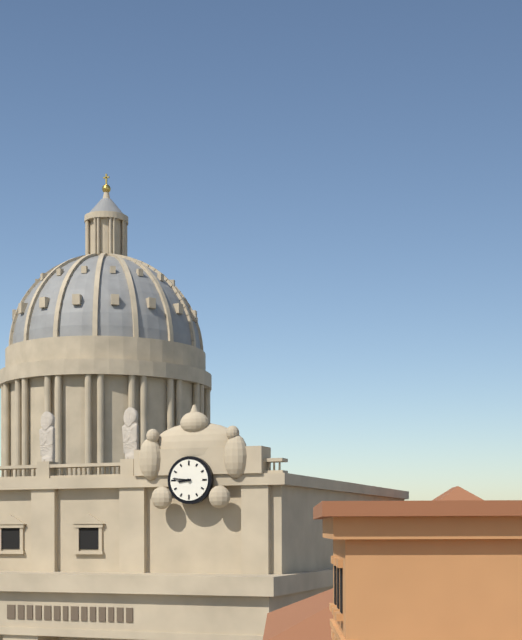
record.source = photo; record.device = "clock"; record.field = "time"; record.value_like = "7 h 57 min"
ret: 8 h 46 min
